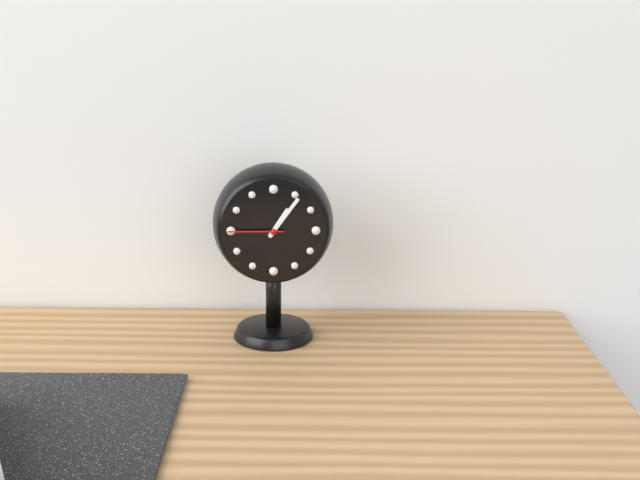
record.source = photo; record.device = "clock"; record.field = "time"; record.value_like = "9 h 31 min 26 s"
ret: 1 h 06 min 45 s
